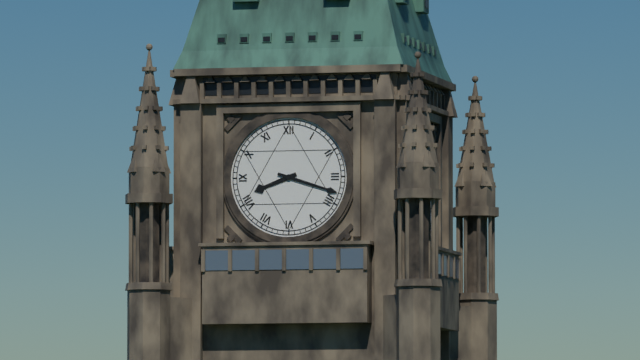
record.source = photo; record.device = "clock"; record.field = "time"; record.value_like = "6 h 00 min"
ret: 8 h 18 min
